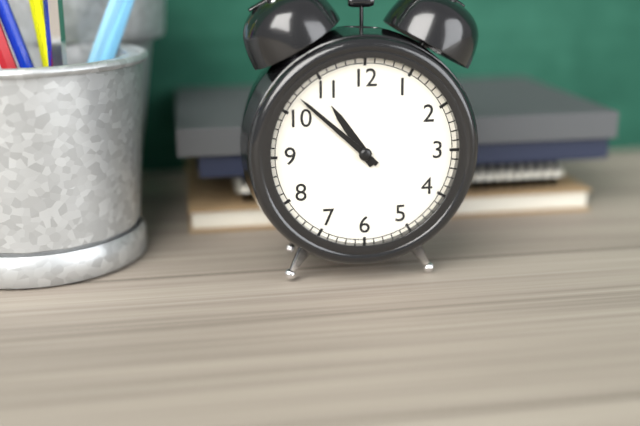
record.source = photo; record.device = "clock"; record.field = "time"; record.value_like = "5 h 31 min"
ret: 10 h 52 min
